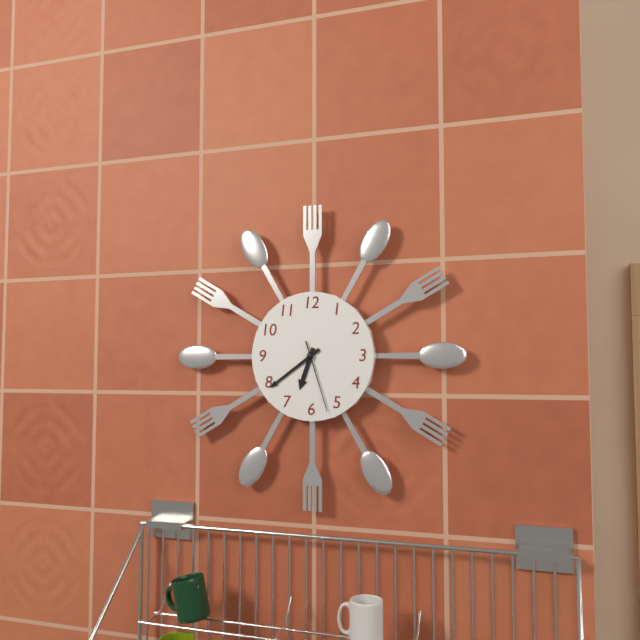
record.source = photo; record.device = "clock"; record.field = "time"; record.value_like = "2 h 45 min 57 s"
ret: 6 h 39 min 27 s
